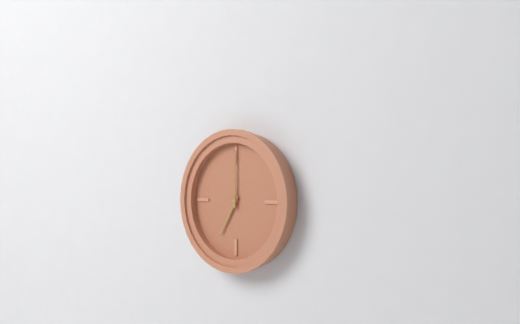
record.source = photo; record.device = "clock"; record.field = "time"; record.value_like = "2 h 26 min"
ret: 7 h 00 min
